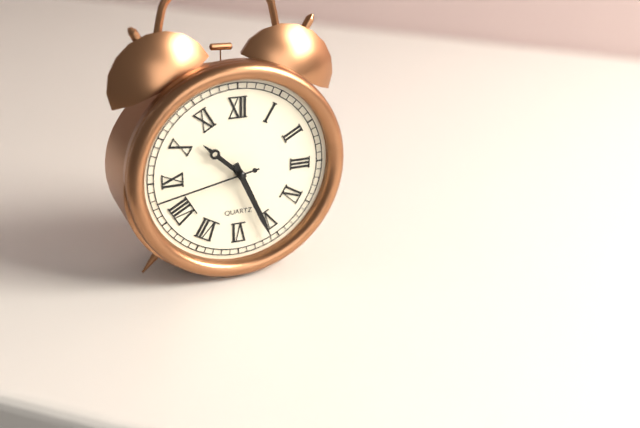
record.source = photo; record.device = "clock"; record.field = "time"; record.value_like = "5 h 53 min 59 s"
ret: 10 h 26 min 43 s
